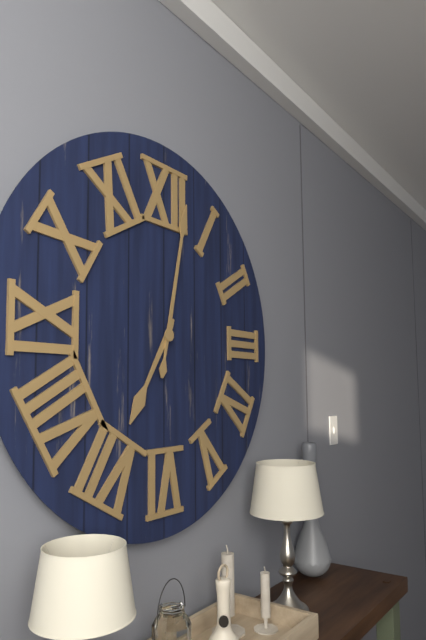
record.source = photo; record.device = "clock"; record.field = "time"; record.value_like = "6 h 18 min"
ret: 7 h 02 min
